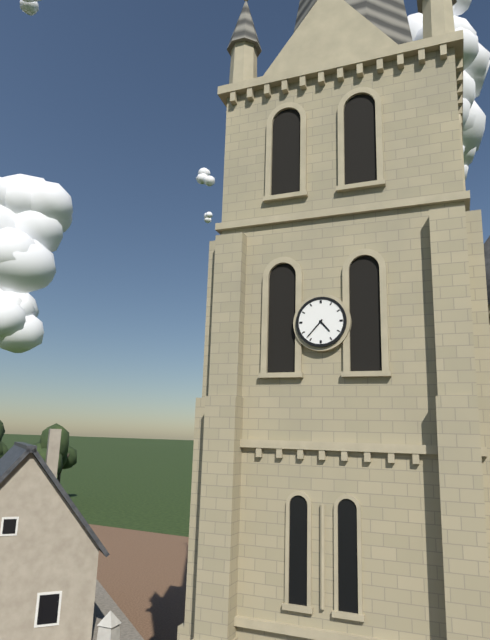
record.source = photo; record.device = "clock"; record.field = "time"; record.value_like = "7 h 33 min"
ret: 4 h 37 min
